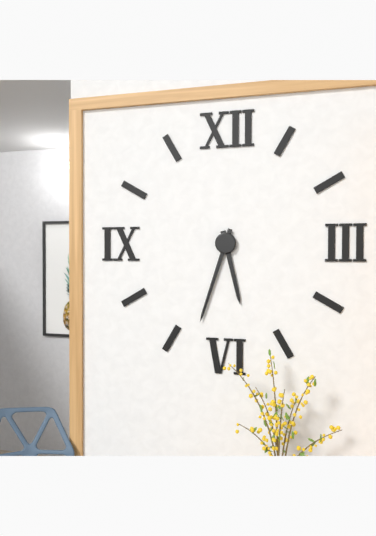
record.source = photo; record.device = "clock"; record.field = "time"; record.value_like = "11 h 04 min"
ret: 5 h 33 min
